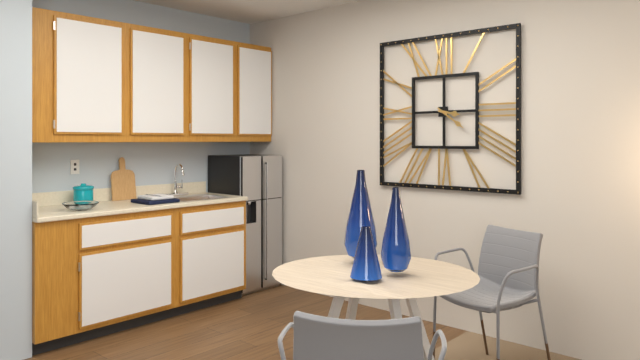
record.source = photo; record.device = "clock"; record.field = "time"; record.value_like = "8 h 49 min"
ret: 3 h 21 min
